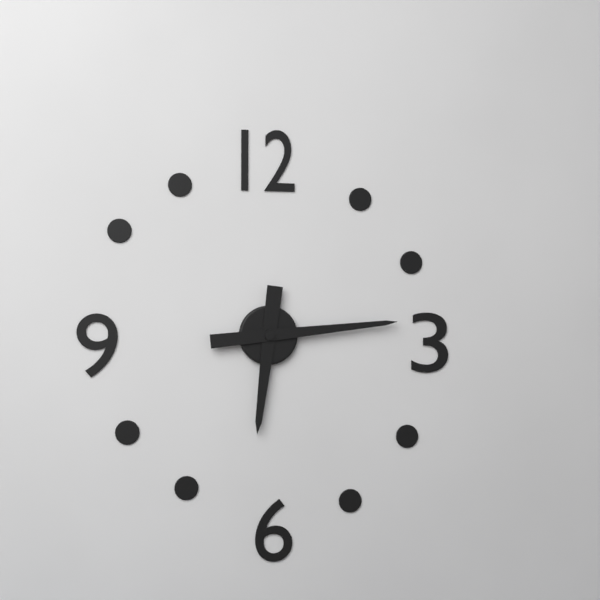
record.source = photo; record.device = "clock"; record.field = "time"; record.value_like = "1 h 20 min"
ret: 6 h 14 min
